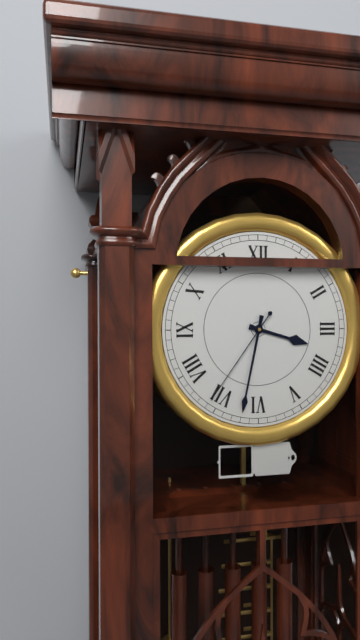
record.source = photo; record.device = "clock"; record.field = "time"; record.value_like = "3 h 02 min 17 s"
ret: 3 h 32 min 36 s
